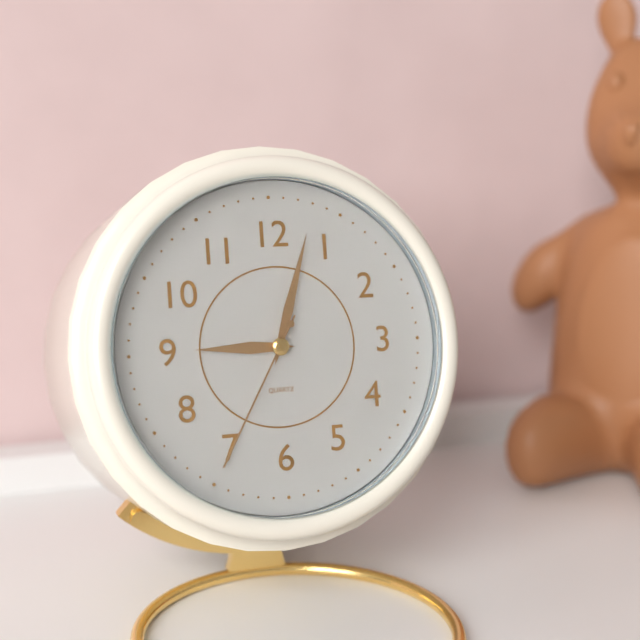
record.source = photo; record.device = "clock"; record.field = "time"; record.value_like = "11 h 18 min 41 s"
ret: 9 h 03 min 35 s
